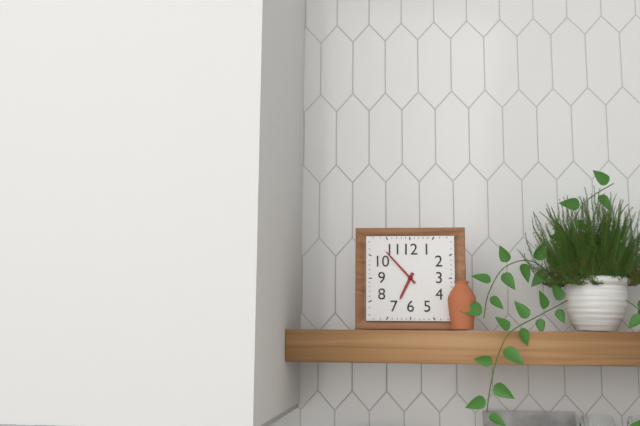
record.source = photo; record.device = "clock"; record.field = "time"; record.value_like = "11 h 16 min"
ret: 6 h 53 min
